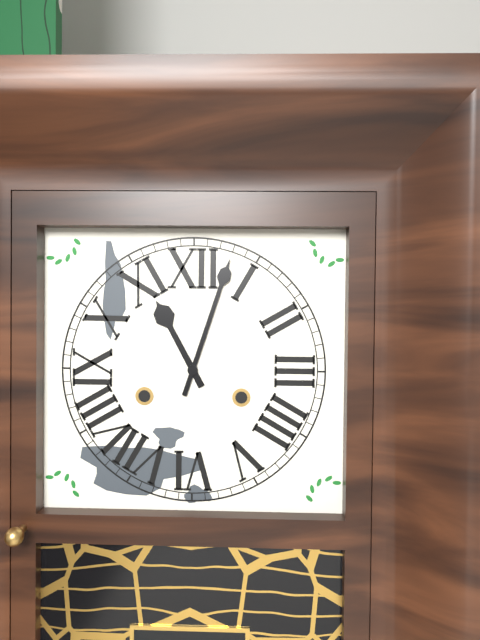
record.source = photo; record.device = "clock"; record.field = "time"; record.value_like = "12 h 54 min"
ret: 11 h 03 min
